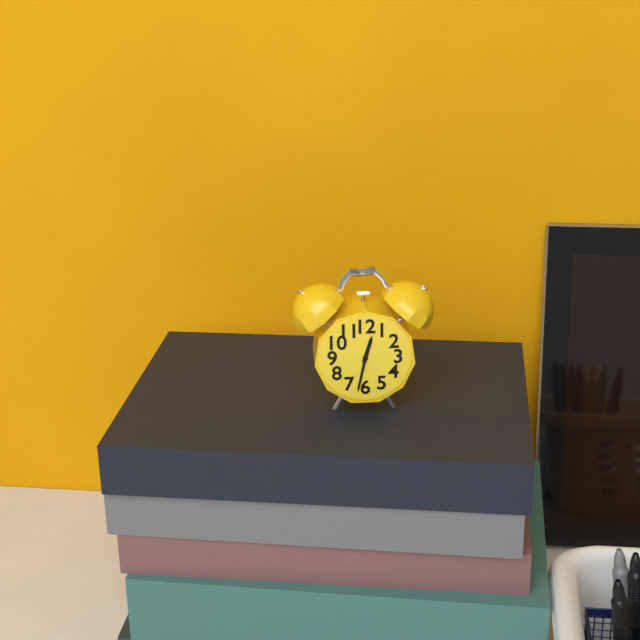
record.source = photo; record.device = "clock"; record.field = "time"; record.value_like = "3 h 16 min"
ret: 12 h 32 min
